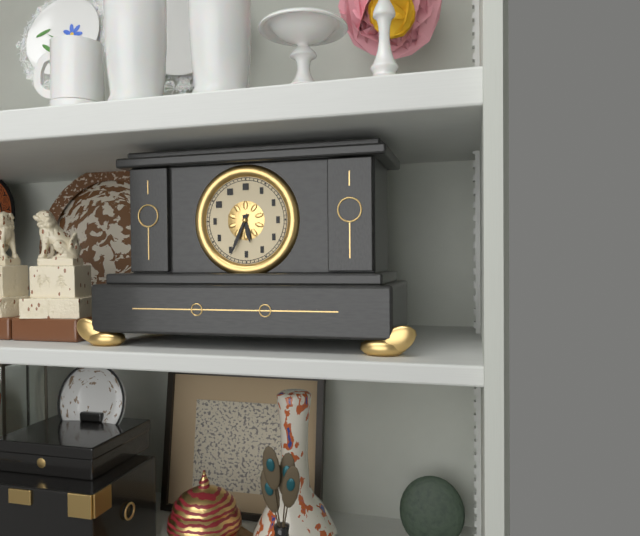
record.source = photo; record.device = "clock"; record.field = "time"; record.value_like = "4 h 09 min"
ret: 5 h 34 min
